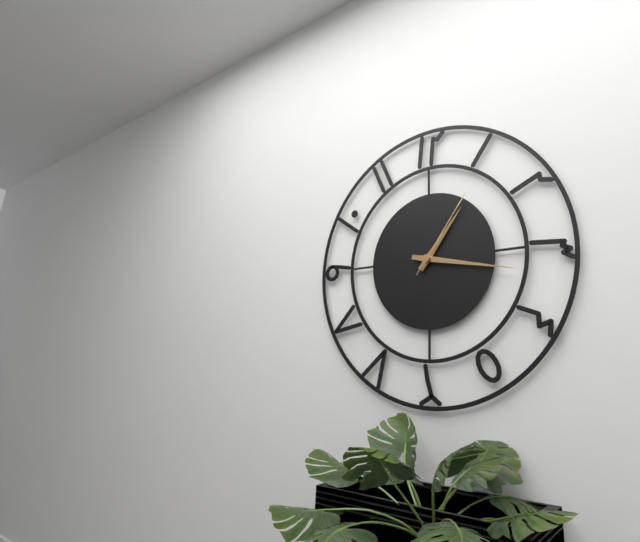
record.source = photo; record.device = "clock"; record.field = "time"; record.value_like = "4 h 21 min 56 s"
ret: 1 h 17 min 06 s
